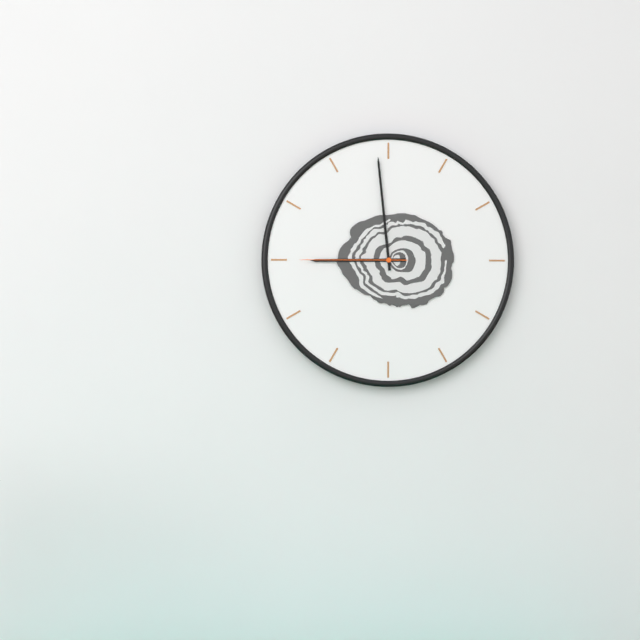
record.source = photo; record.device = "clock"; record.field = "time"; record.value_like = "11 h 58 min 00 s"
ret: 8 h 59 min 45 s
